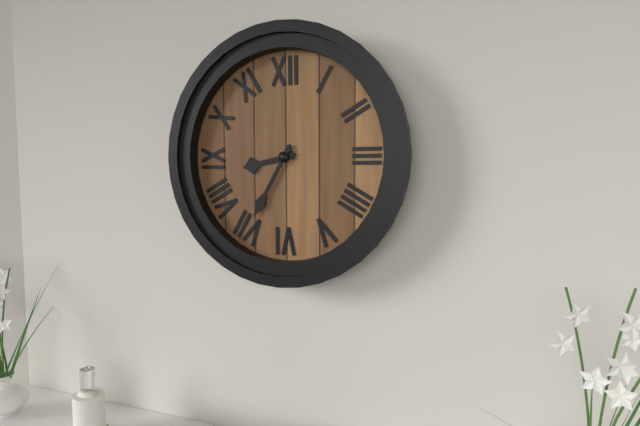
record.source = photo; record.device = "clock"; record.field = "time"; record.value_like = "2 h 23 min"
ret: 8 h 35 min
